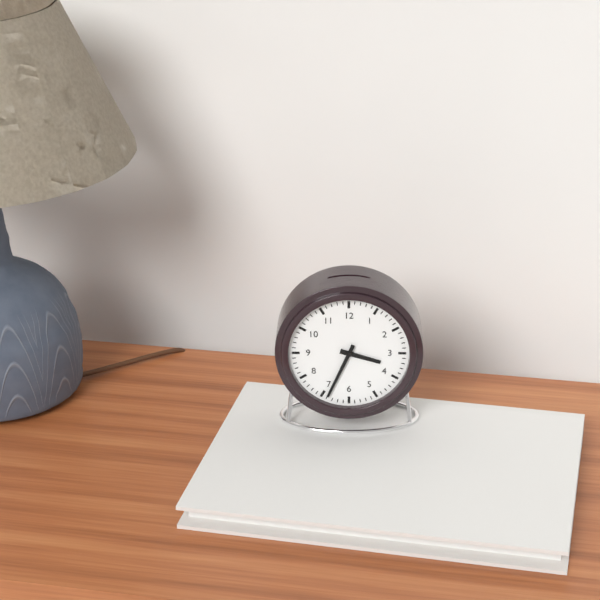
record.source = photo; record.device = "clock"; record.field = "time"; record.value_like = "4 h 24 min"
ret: 3 h 34 min
